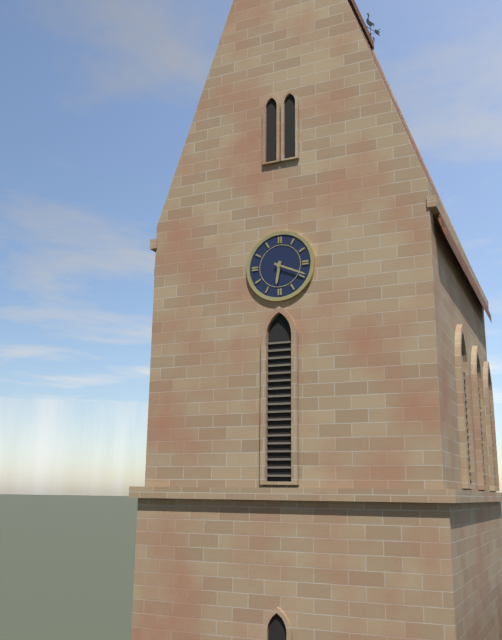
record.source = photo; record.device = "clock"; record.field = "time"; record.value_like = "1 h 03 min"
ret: 6 h 19 min
